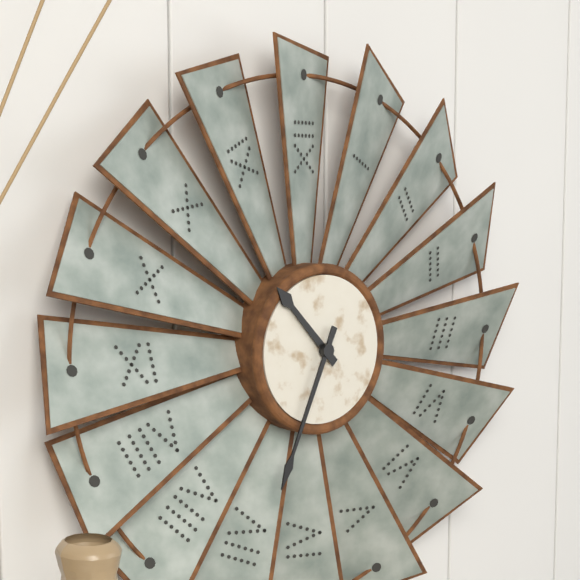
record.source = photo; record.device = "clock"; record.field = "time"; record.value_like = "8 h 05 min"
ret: 10 h 34 min
